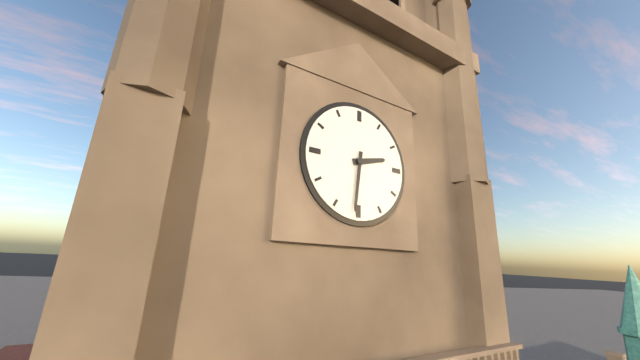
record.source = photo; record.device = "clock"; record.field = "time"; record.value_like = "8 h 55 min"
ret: 2 h 31 min
